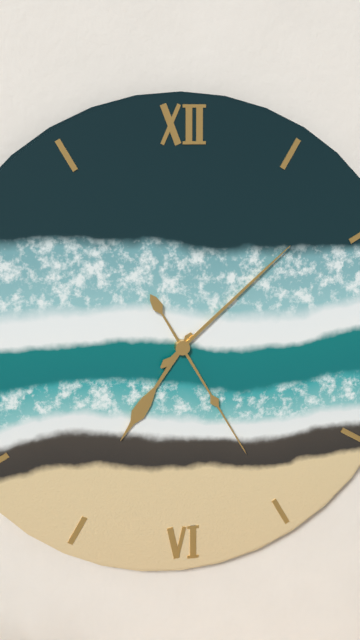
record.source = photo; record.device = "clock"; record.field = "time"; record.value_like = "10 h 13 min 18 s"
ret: 7 h 08 min 25 s
